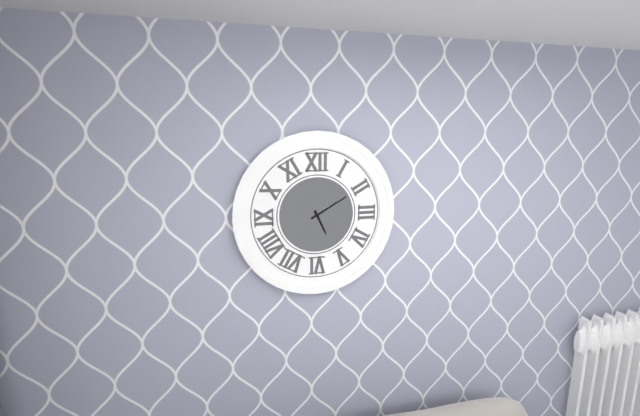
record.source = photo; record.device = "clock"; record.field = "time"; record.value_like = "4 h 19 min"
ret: 5 h 10 min
